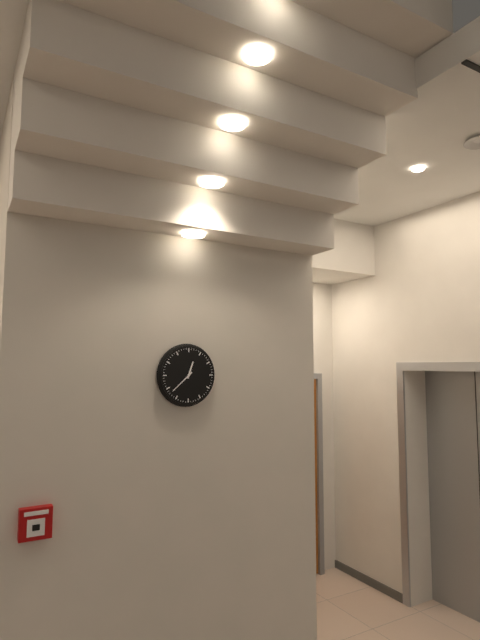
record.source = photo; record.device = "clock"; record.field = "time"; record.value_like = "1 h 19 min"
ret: 12 h 38 min
